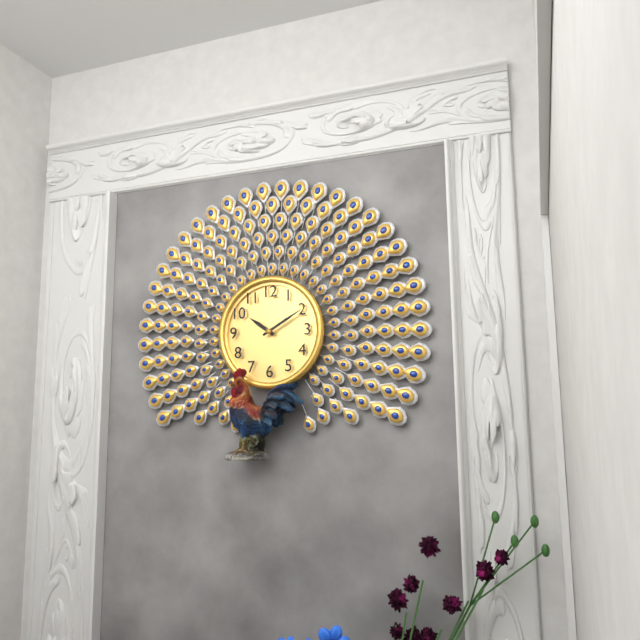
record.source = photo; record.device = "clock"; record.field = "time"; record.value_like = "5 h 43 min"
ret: 10 h 10 min
